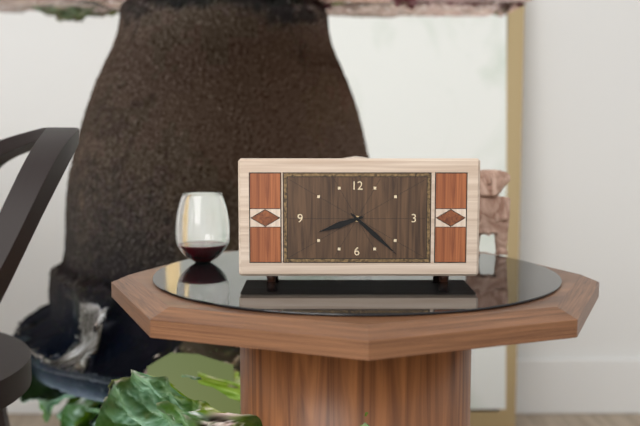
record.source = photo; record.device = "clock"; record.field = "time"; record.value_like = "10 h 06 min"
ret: 8 h 22 min
